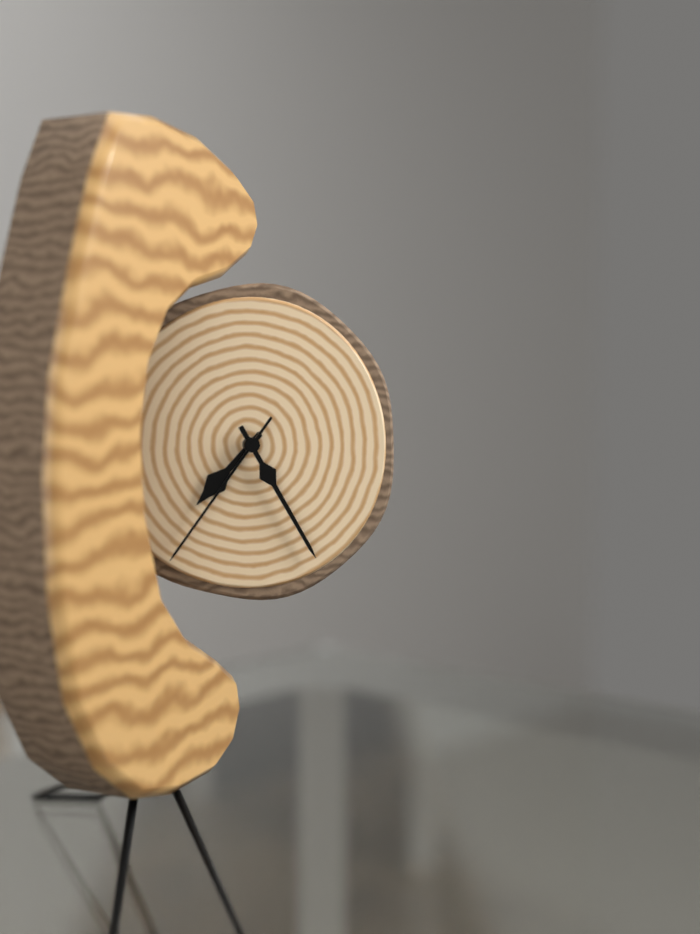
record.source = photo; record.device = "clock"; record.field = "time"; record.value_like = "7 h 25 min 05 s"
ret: 7 h 25 min 36 s
